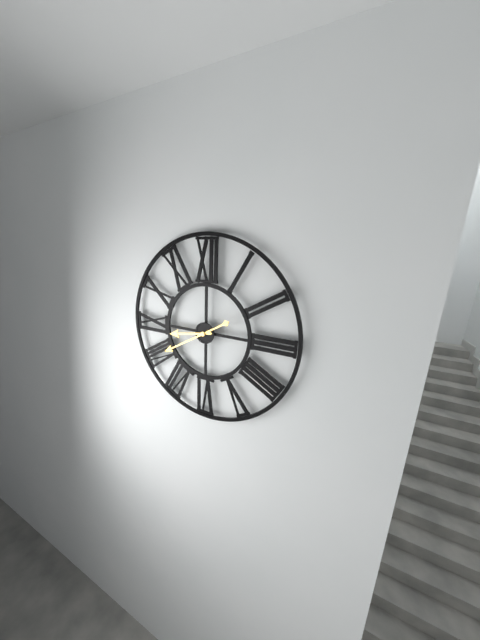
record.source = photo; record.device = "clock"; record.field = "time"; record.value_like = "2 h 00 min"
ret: 8 h 40 min
